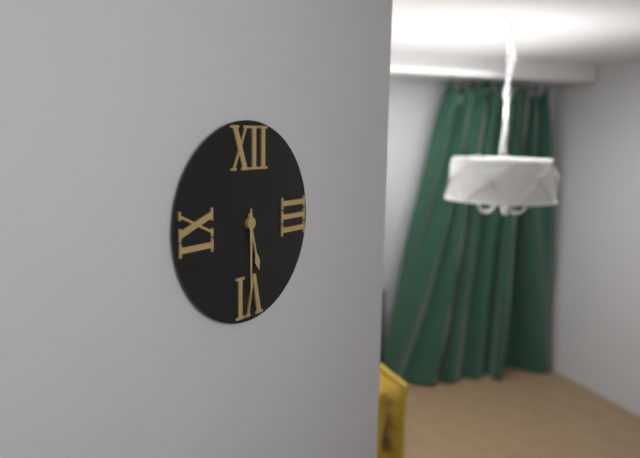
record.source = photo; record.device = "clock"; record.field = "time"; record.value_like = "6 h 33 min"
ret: 5 h 30 min
